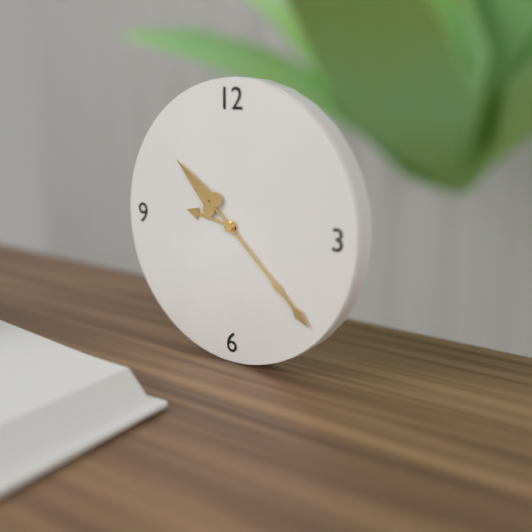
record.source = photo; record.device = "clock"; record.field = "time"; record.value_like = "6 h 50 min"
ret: 9 h 22 min
